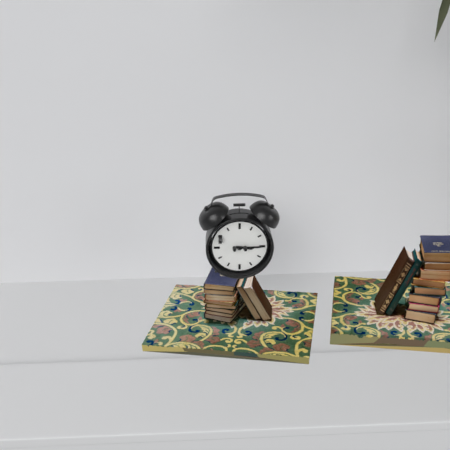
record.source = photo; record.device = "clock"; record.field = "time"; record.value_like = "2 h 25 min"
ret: 3 h 15 min
